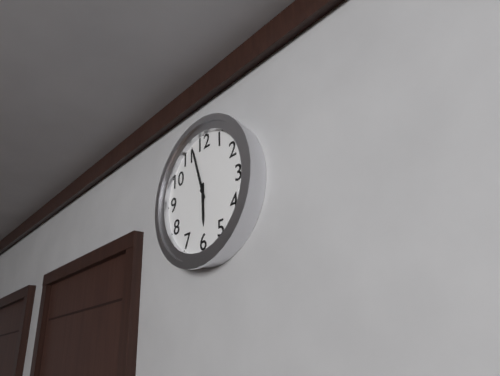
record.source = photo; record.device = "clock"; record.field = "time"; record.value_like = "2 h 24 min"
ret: 5 h 57 min
